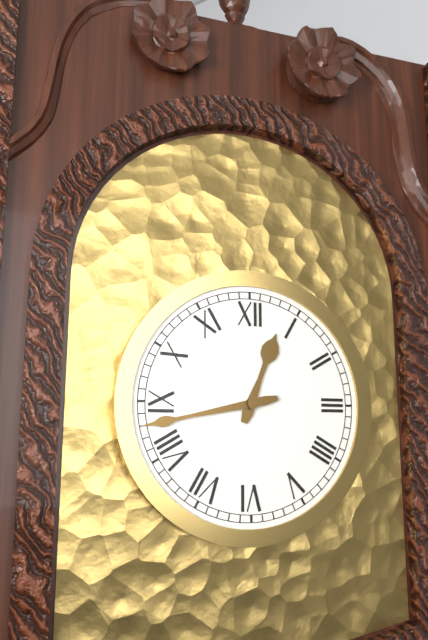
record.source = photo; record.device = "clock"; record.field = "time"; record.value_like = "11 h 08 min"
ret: 12 h 43 min
